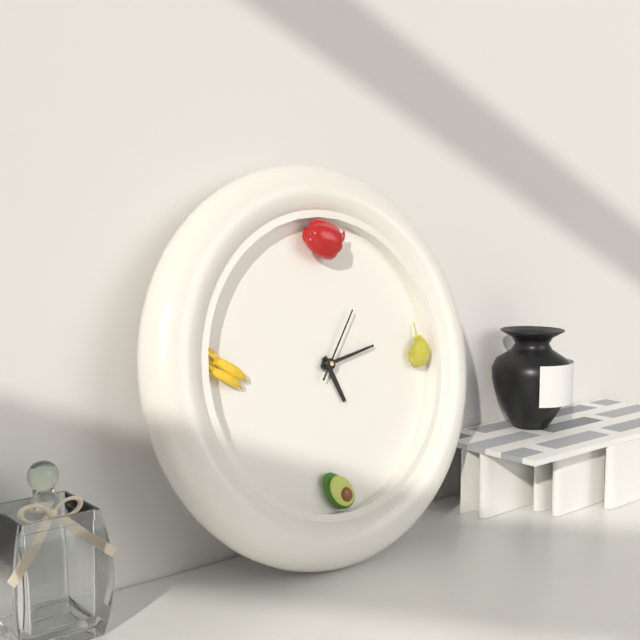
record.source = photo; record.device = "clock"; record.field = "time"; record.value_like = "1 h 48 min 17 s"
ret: 5 h 13 min 06 s
